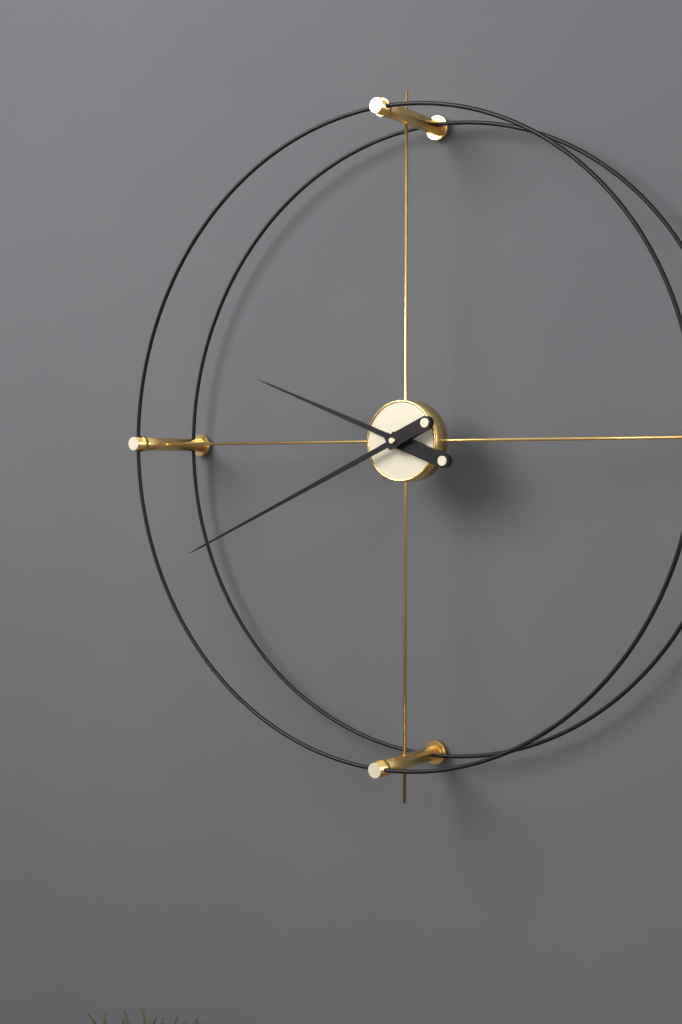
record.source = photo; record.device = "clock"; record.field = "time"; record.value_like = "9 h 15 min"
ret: 9 h 41 min
